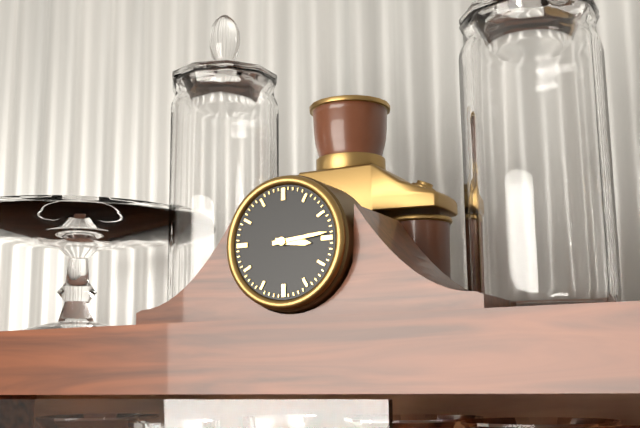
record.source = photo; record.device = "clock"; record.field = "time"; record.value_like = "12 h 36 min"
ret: 3 h 14 min
